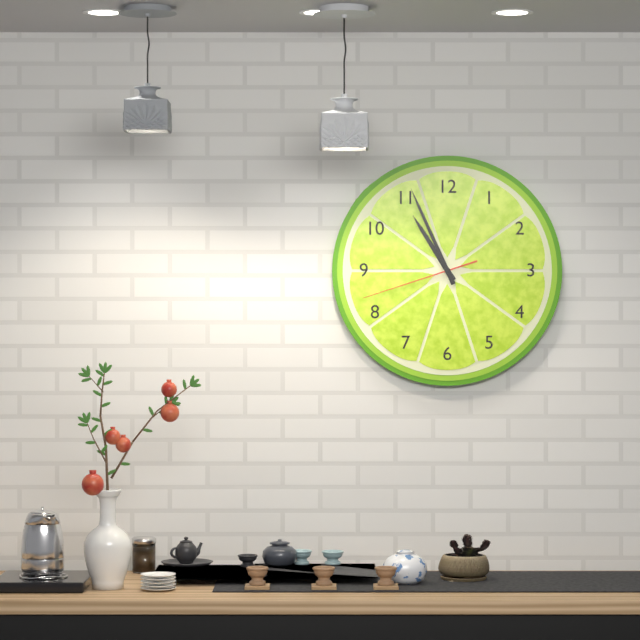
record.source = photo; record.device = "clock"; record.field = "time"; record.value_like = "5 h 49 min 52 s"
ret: 10 h 56 min 42 s
